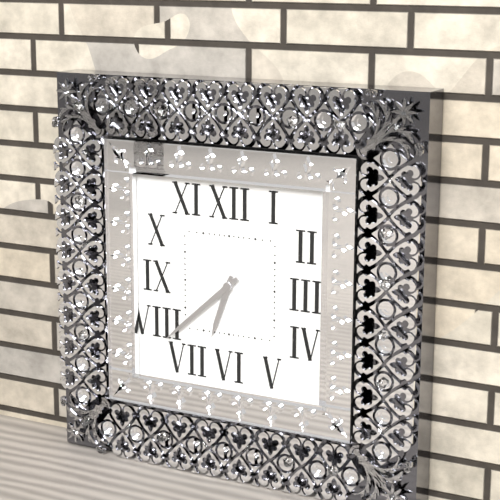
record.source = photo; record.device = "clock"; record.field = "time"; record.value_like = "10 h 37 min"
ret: 6 h 38 min
